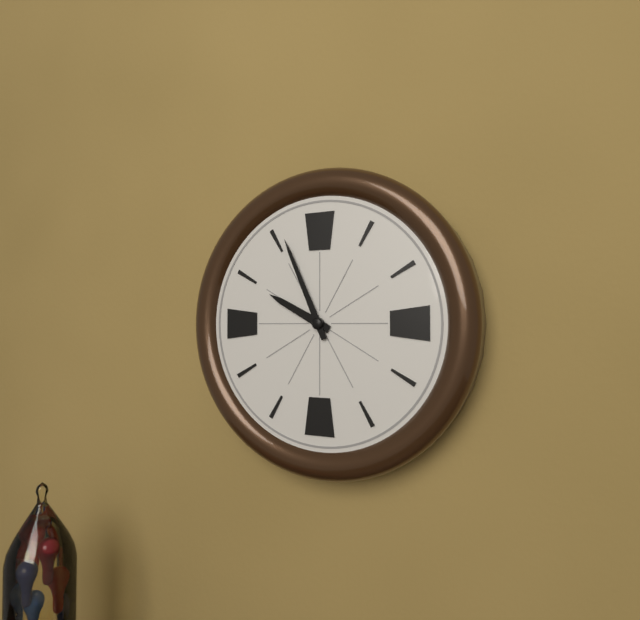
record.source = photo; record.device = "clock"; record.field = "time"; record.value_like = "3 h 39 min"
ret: 9 h 56 min
